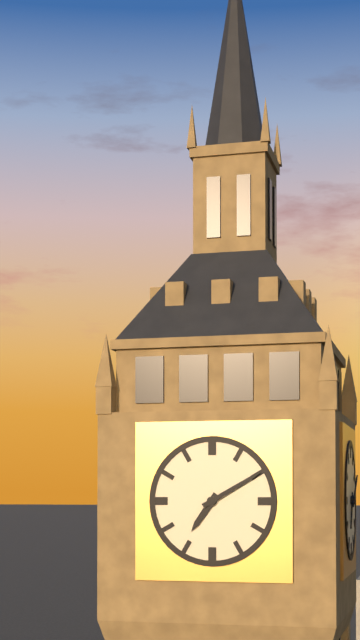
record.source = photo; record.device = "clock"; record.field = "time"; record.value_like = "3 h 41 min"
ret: 7 h 10 min
